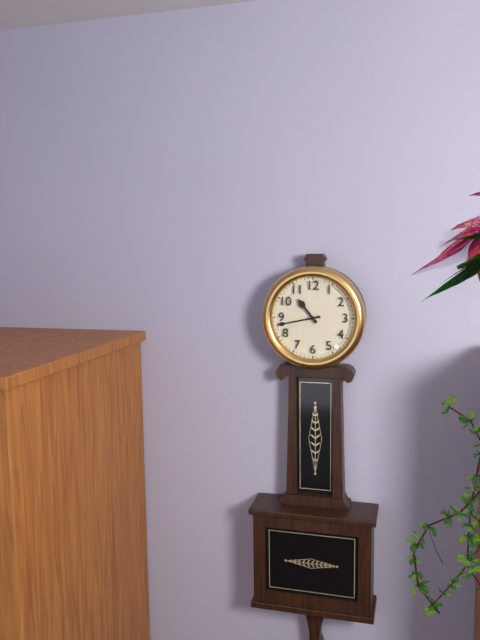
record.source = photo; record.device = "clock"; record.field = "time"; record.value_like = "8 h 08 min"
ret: 10 h 43 min
